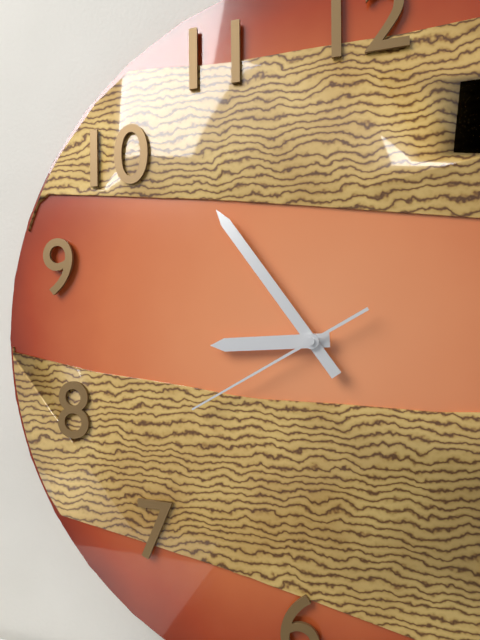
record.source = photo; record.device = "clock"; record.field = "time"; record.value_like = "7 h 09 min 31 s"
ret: 8 h 54 min 40 s
